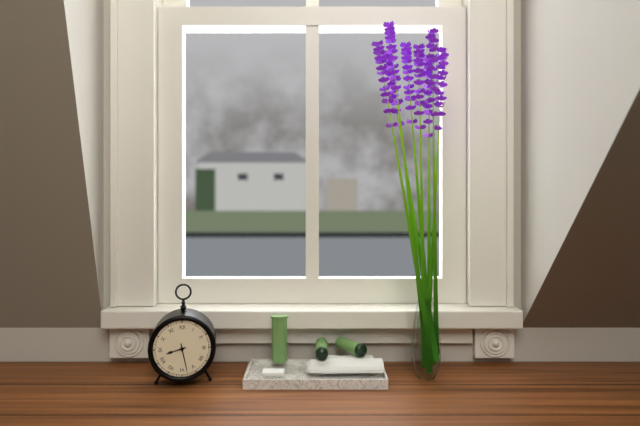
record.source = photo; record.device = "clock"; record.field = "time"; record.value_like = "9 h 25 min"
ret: 8 h 28 min
